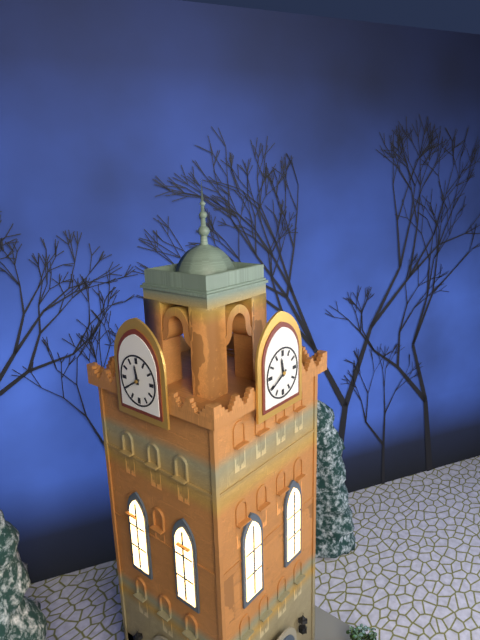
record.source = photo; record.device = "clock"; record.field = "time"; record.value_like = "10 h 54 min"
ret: 11 h 40 min
